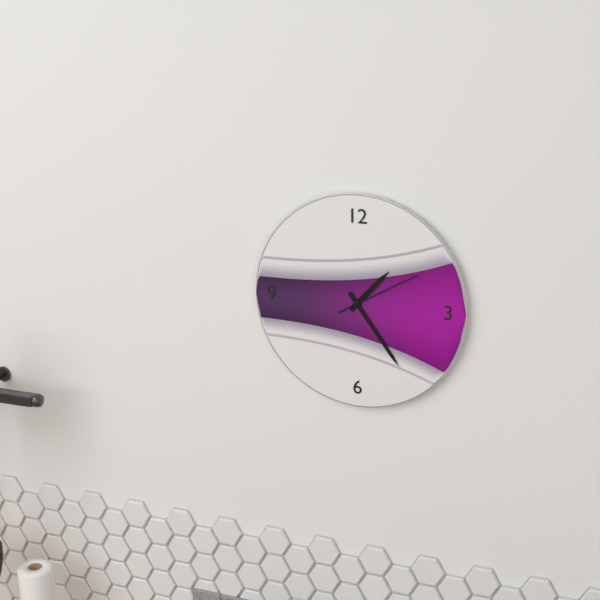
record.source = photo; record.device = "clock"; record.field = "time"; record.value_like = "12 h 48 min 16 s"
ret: 1 h 24 min 10 s
